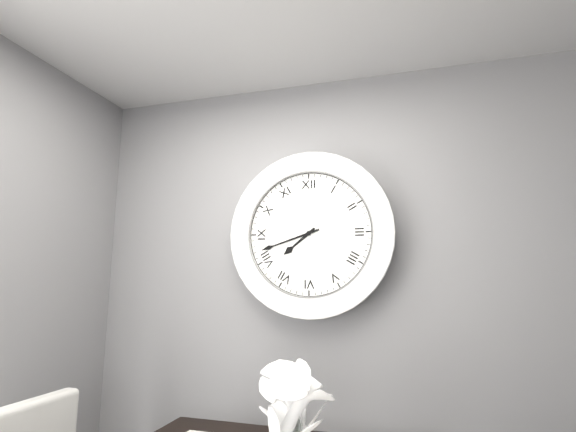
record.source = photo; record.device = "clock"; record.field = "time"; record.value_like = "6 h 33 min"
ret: 7 h 42 min
